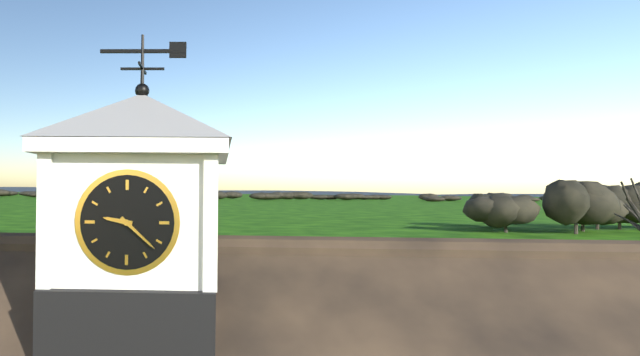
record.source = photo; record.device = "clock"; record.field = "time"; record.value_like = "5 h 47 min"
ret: 9 h 22 min
